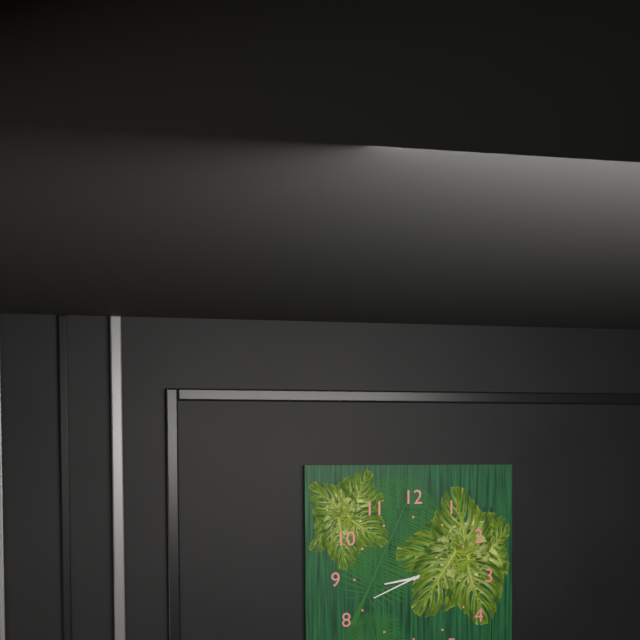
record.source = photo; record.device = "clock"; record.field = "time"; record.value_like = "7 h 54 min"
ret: 8 h 41 min
